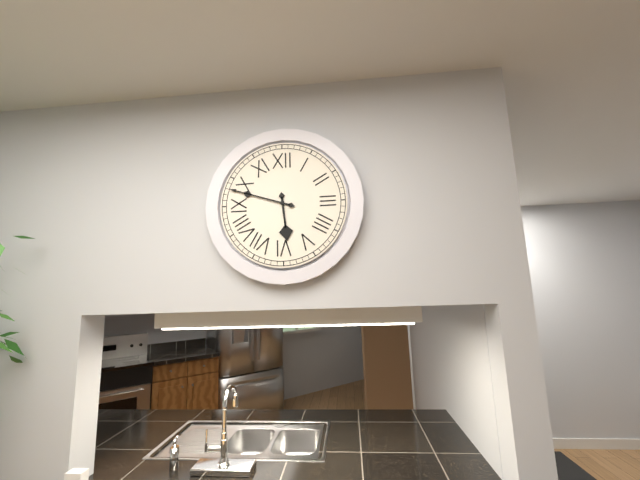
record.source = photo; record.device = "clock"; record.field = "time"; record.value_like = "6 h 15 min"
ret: 5 h 48 min
